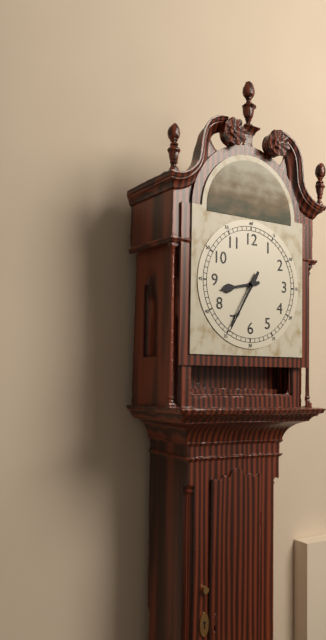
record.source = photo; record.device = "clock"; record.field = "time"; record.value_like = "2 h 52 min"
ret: 8 h 35 min
